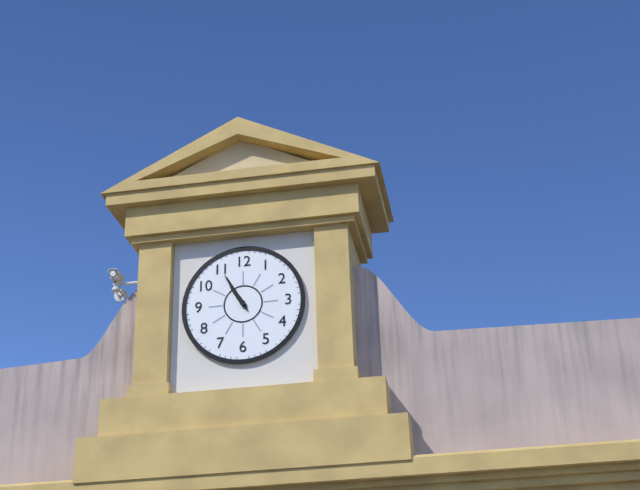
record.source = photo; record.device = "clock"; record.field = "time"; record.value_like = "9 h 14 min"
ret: 10 h 55 min
